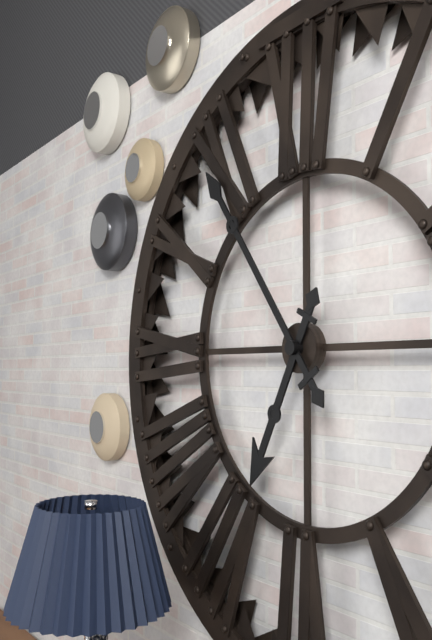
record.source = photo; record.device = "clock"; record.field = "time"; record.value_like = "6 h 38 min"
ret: 6 h 54 min
